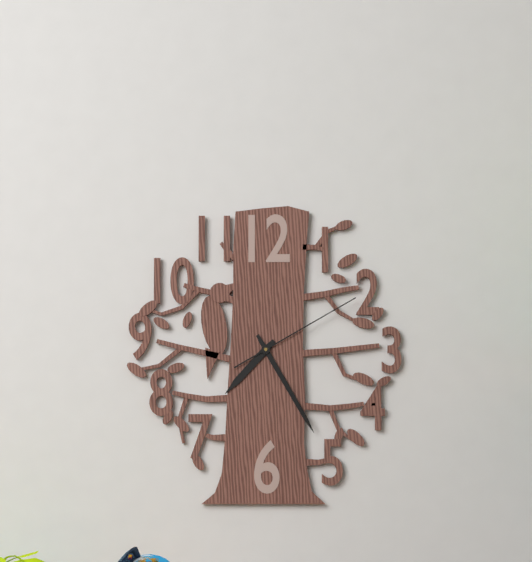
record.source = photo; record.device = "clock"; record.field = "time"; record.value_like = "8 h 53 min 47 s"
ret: 7 h 25 min 10 s
